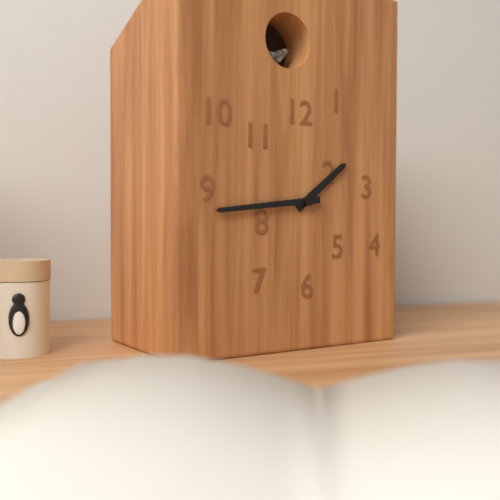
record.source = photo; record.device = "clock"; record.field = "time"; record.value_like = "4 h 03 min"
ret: 1 h 44 min
